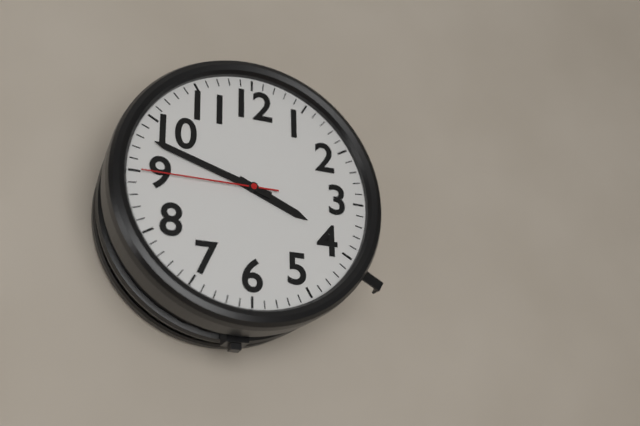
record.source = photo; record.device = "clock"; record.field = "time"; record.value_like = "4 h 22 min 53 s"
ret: 3 h 48 min 45 s
